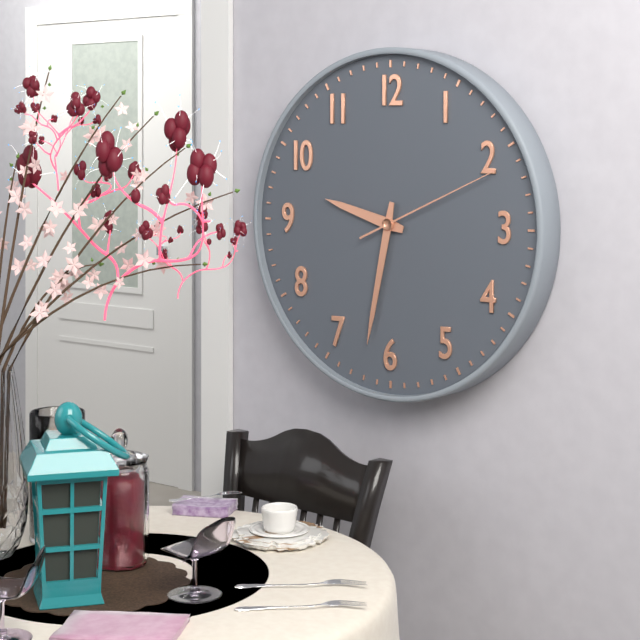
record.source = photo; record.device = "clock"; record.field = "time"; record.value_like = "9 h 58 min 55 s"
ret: 9 h 32 min 11 s
